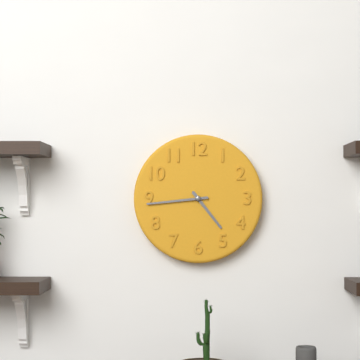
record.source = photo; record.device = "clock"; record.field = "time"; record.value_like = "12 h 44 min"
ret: 4 h 44 min
